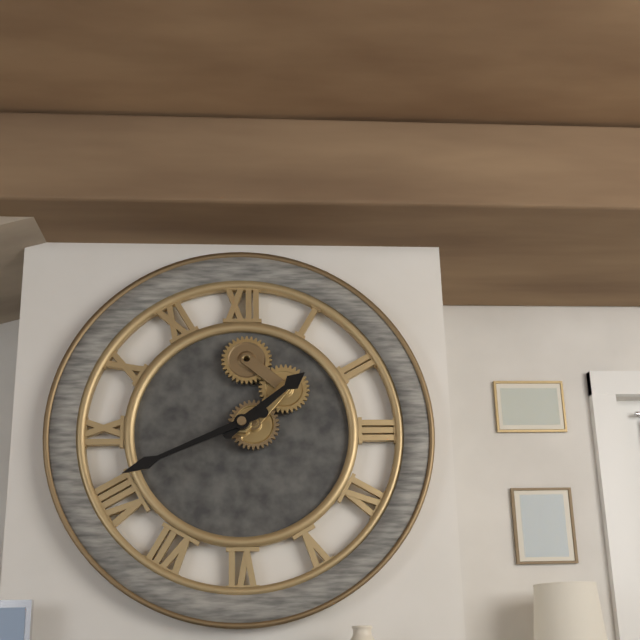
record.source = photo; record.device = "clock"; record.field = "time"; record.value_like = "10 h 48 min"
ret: 1 h 41 min
